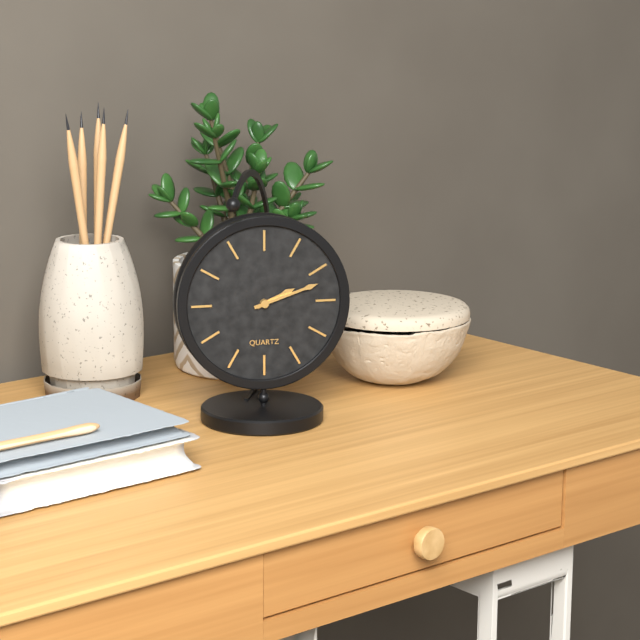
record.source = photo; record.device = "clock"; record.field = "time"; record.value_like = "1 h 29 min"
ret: 2 h 12 min
